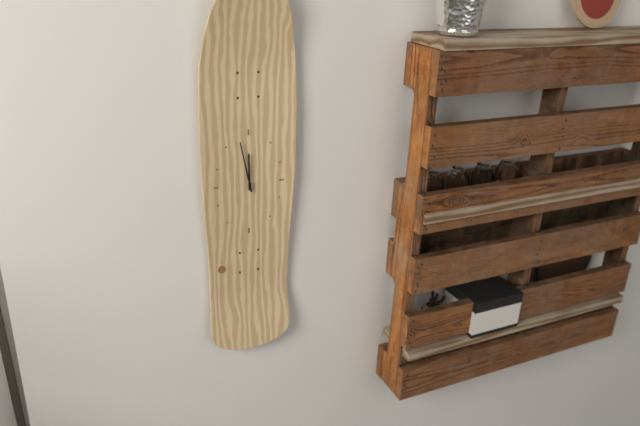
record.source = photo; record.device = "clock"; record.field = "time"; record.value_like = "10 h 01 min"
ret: 11 h 58 min
